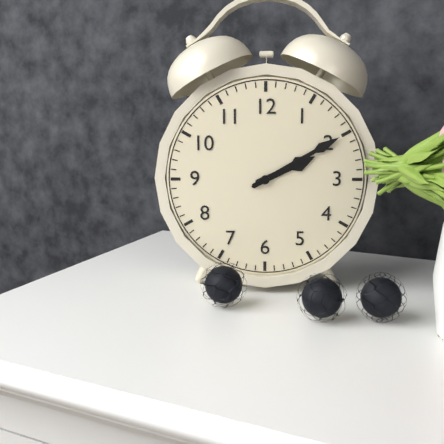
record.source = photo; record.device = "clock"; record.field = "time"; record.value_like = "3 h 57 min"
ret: 2 h 10 min
